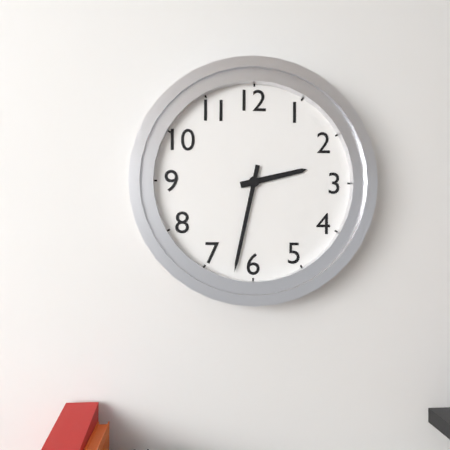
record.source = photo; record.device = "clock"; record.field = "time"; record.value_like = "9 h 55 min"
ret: 2 h 32 min
